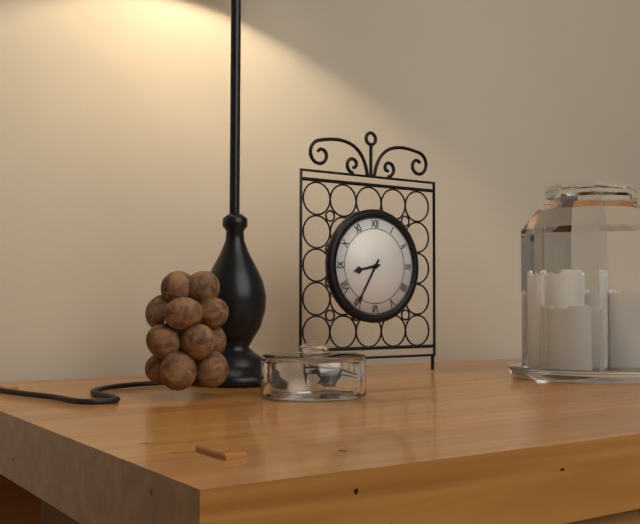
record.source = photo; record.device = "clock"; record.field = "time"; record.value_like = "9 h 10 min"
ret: 8 h 35 min
